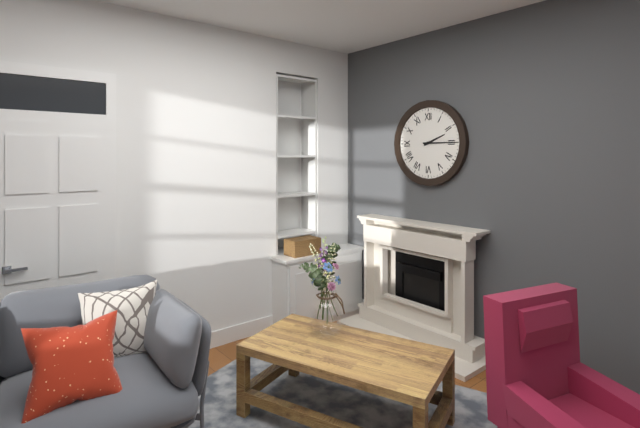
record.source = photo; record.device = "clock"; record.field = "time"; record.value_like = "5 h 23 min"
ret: 2 h 15 min
